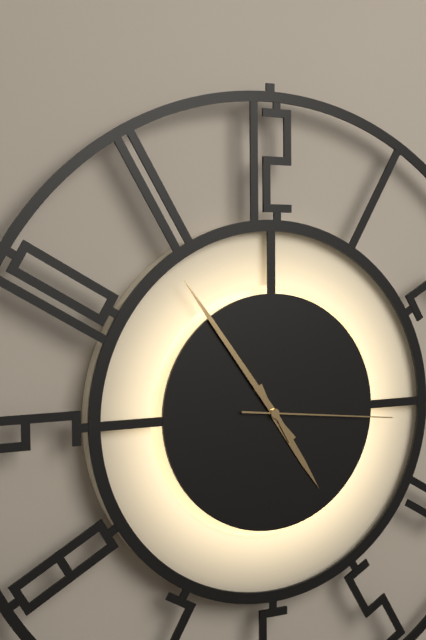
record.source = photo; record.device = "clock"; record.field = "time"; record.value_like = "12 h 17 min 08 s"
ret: 4 h 54 min 16 s
